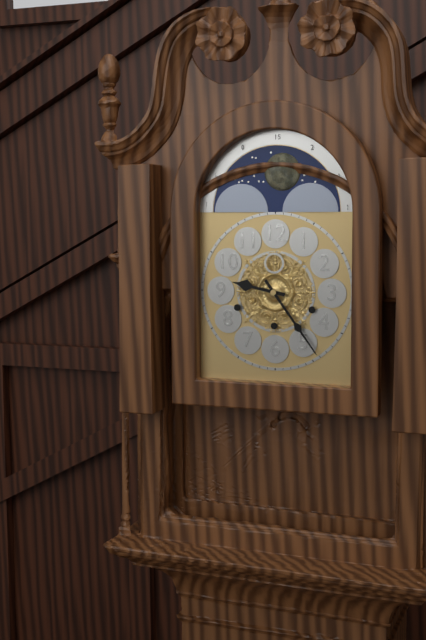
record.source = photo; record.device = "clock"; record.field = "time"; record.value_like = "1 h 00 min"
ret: 9 h 24 min
